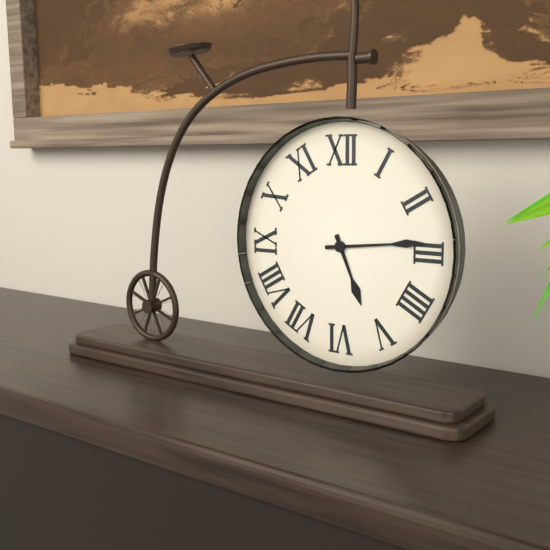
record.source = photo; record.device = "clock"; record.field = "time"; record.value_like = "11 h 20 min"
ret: 5 h 14 min
